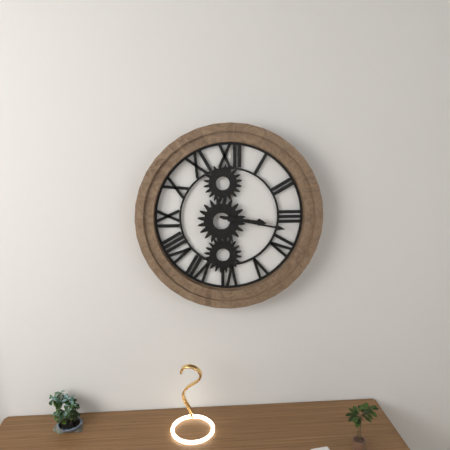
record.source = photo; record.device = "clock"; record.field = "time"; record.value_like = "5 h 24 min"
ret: 3 h 17 min
